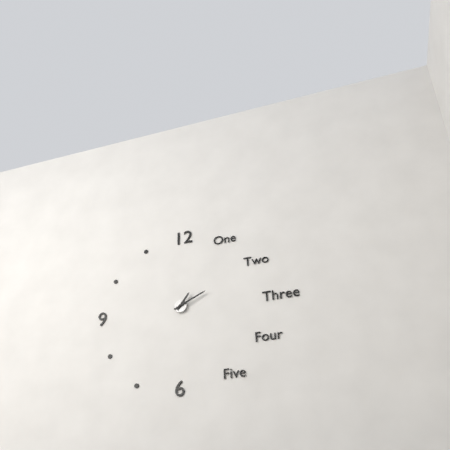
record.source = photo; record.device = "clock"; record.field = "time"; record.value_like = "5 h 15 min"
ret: 1 h 11 min
